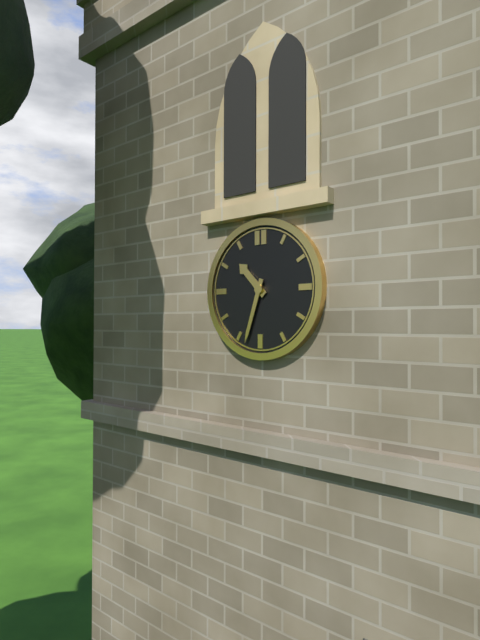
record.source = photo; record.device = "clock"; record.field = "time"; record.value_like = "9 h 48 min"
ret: 10 h 33 min
